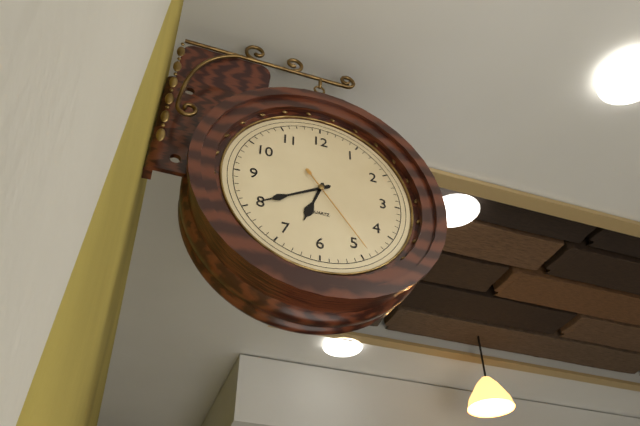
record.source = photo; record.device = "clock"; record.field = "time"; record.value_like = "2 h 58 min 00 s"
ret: 6 h 40 min 24 s
